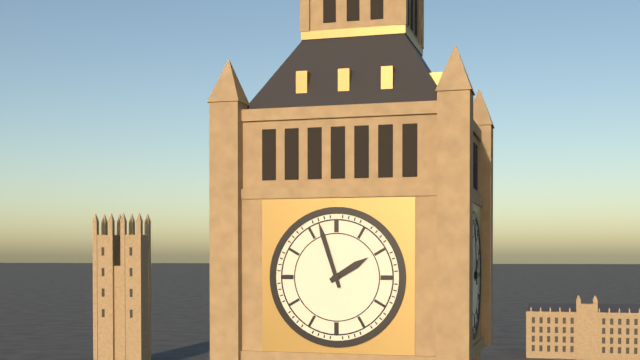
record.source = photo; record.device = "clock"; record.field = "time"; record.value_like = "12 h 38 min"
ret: 1 h 57 min
